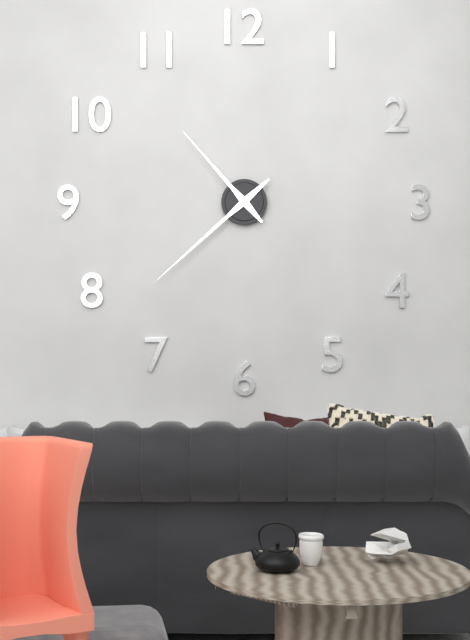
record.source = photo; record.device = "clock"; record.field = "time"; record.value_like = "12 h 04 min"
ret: 10 h 38 min
